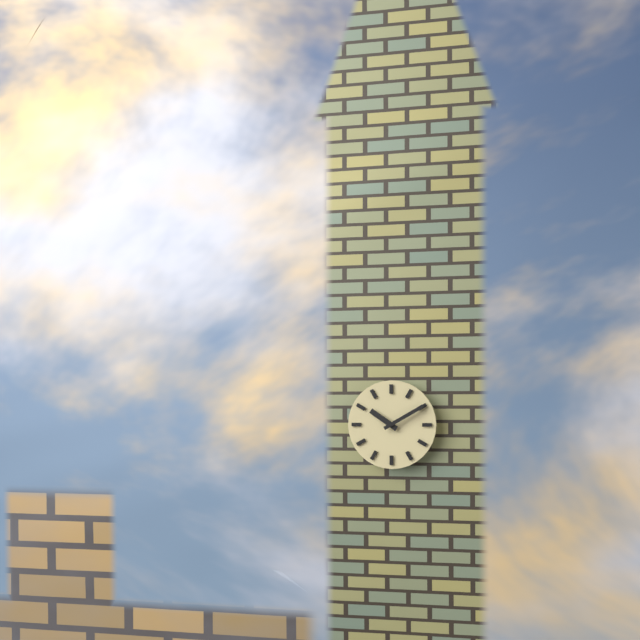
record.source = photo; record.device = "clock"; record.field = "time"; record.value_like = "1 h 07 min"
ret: 10 h 10 min
